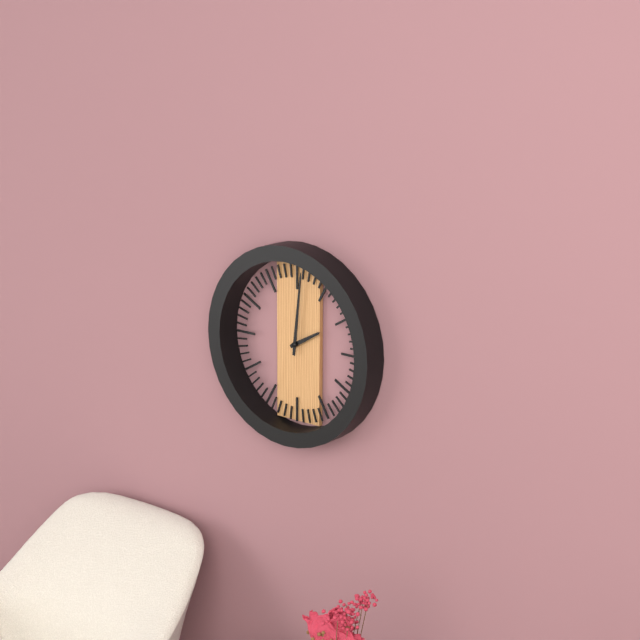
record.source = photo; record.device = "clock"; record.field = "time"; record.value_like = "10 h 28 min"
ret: 2 h 01 min
